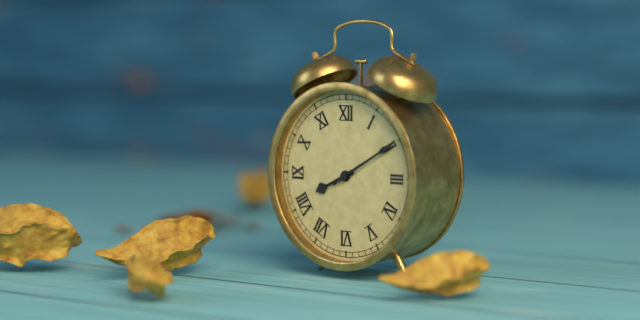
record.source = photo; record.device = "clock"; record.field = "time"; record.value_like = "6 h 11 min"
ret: 8 h 10 min
